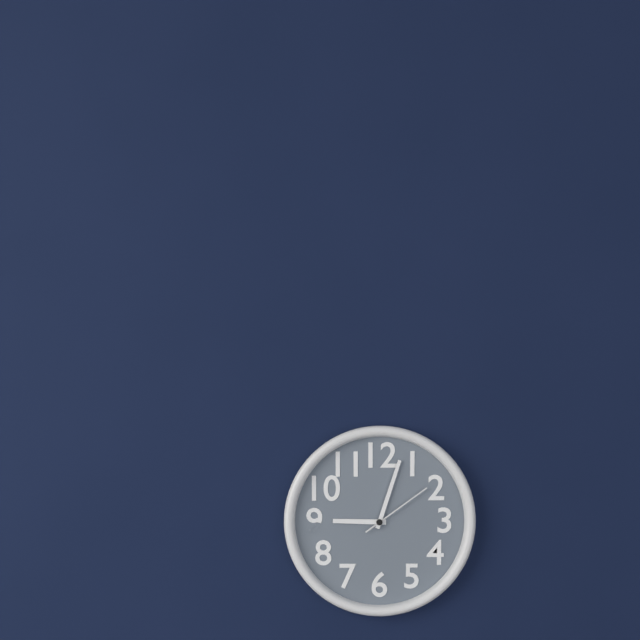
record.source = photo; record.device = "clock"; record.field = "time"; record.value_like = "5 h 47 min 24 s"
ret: 9 h 03 min 09 s
